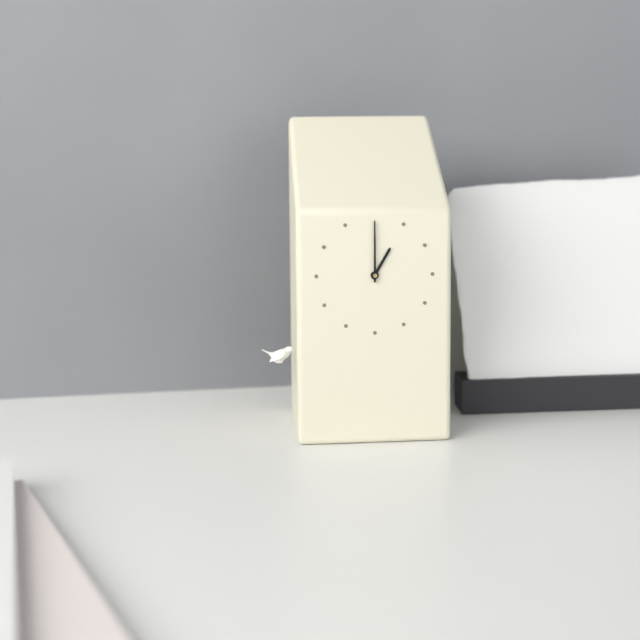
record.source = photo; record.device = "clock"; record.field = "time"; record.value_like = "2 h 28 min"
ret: 1 h 00 min
